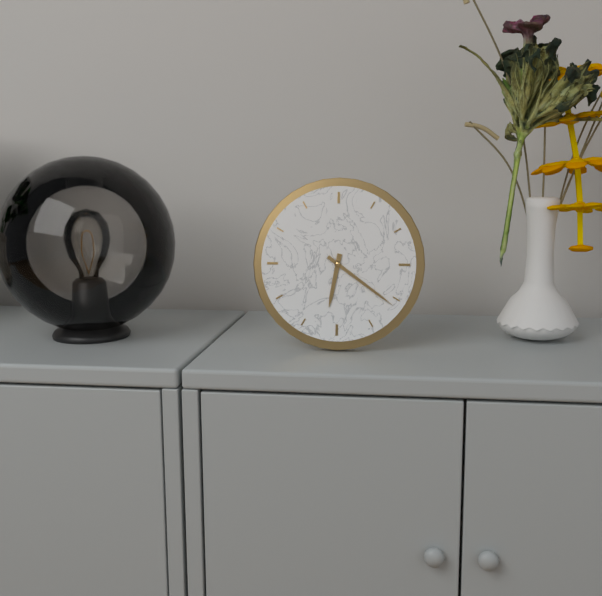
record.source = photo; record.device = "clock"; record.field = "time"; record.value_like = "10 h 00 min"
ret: 6 h 21 min
